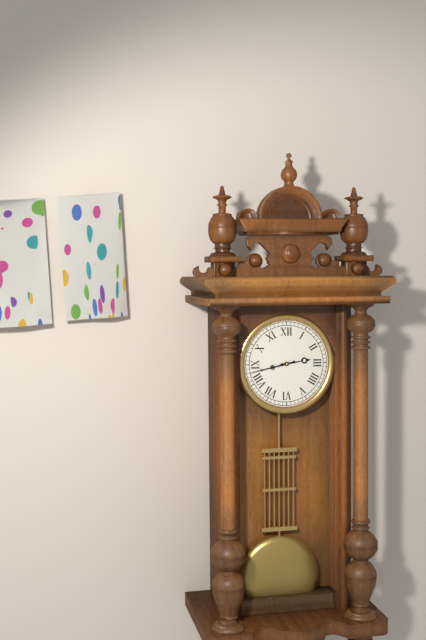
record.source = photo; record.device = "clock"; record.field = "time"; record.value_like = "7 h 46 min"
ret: 2 h 43 min
